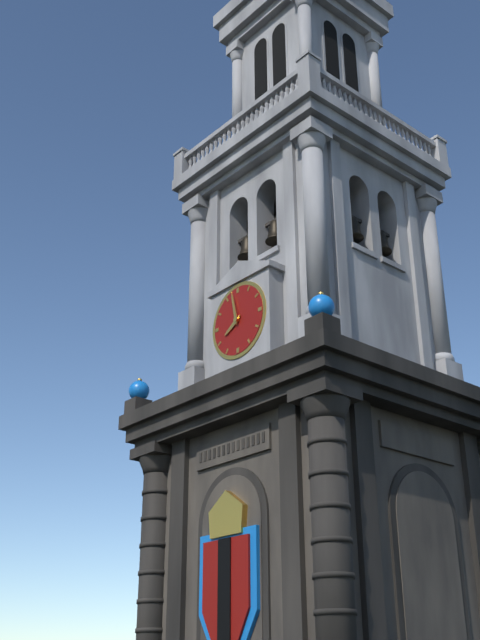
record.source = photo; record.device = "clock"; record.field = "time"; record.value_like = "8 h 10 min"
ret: 7 h 58 min
